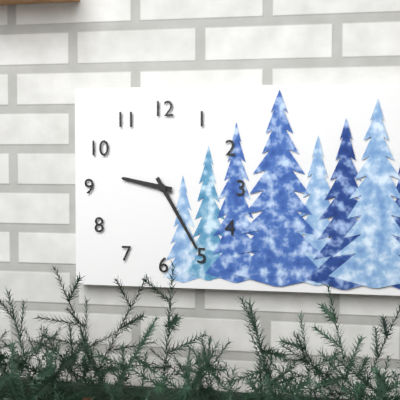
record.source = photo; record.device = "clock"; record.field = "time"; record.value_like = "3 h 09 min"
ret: 9 h 25 min
